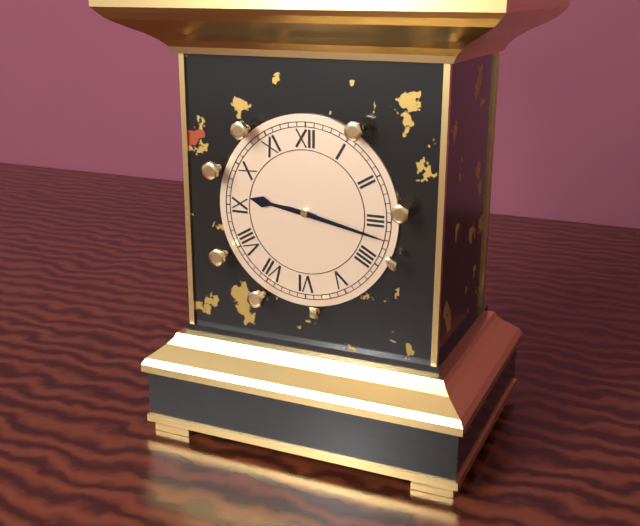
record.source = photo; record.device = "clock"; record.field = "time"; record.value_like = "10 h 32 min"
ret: 9 h 17 min
